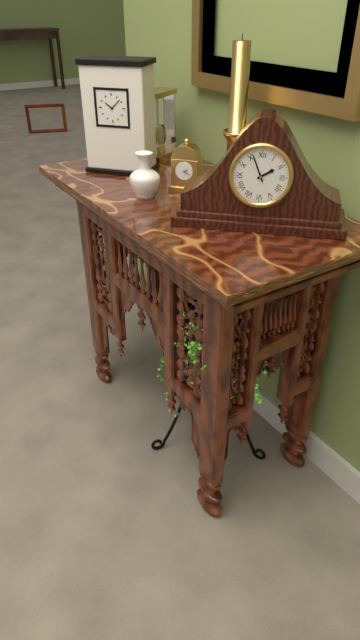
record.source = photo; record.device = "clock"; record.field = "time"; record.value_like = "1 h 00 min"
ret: 1 h 56 min
